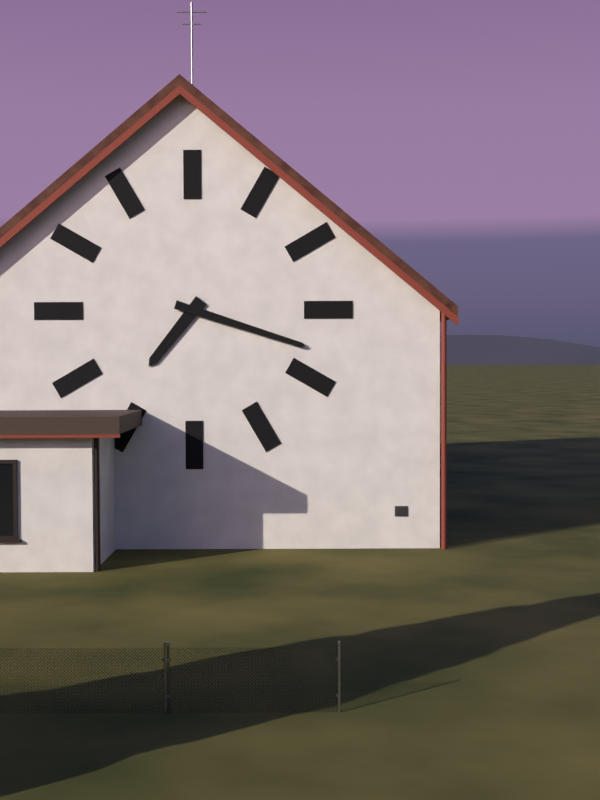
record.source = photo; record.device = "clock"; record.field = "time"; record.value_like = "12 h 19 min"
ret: 7 h 18 min
